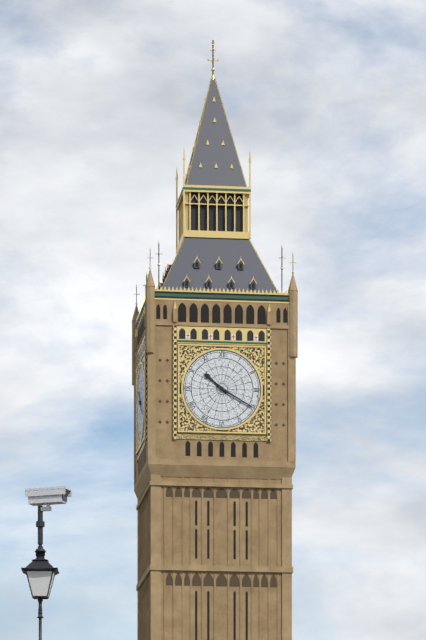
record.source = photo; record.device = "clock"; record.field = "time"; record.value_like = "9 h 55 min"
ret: 10 h 20 min
